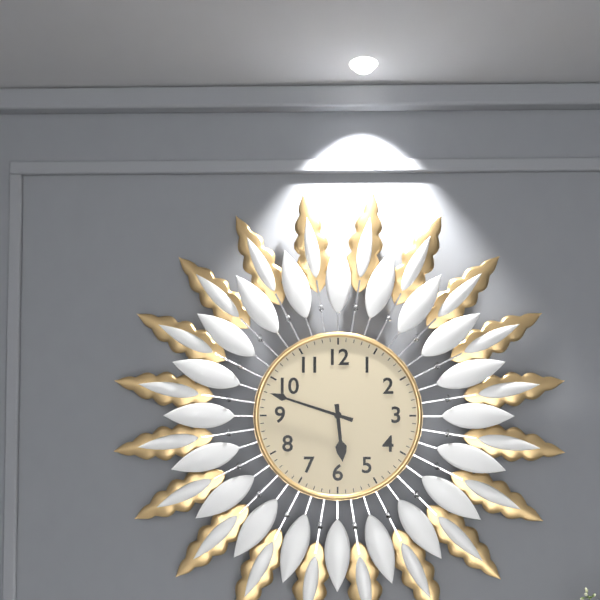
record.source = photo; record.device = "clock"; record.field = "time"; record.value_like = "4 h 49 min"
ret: 5 h 48 min
